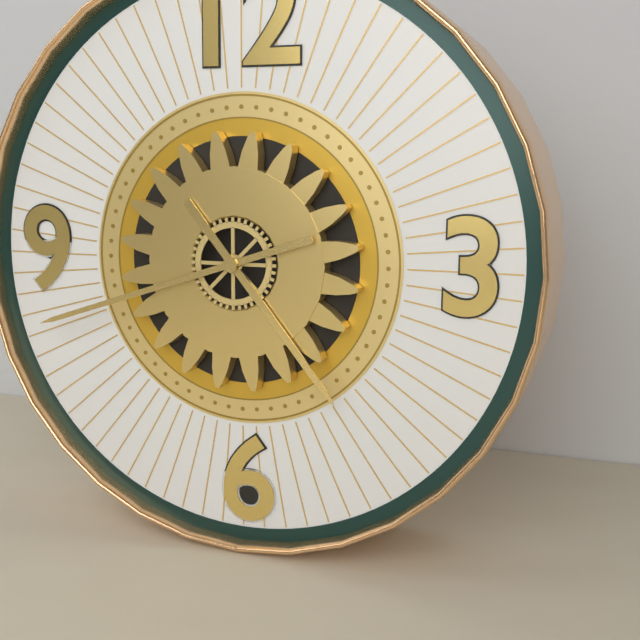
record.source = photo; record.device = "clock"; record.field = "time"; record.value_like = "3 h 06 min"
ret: 4 h 42 min
